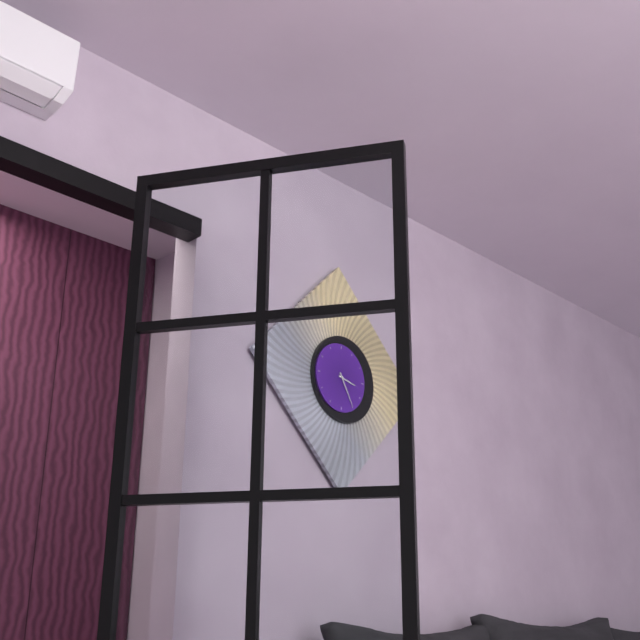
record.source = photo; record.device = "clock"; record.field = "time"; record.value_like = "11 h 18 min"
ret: 3 h 25 min
